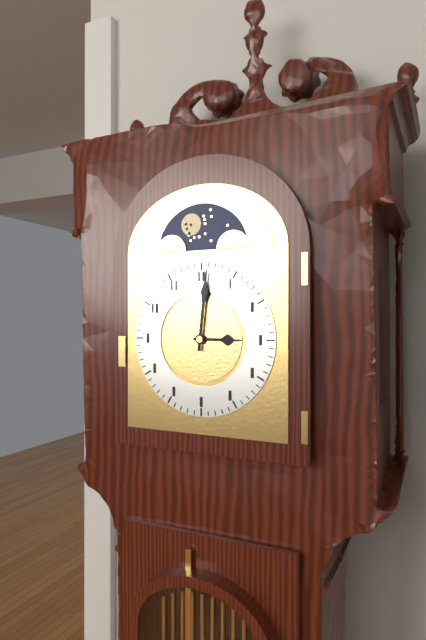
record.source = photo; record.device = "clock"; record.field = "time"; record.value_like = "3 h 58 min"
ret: 3 h 01 min
